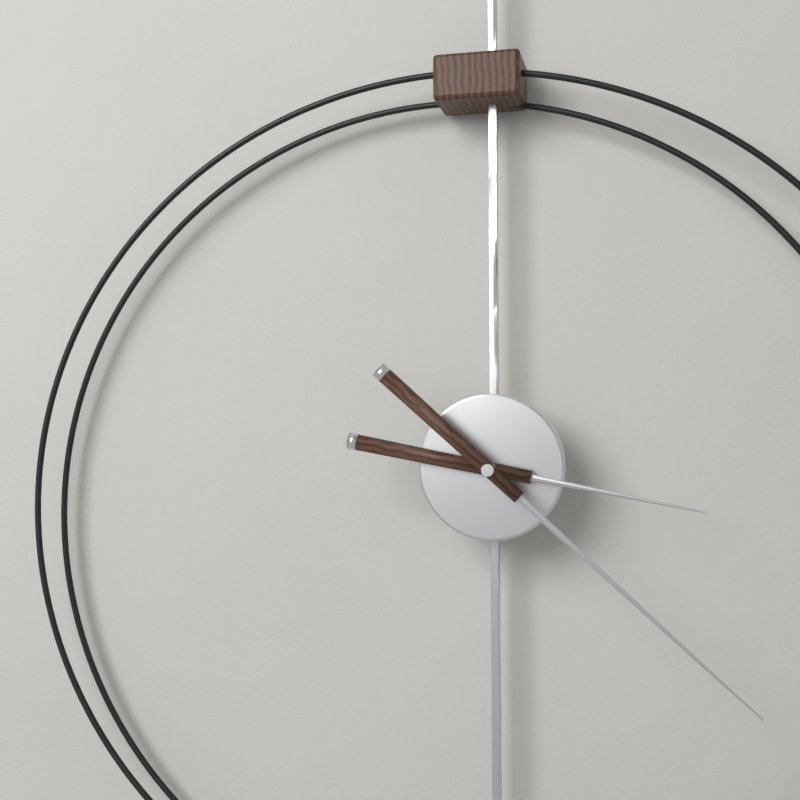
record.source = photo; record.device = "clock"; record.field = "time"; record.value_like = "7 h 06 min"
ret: 3 h 22 min
